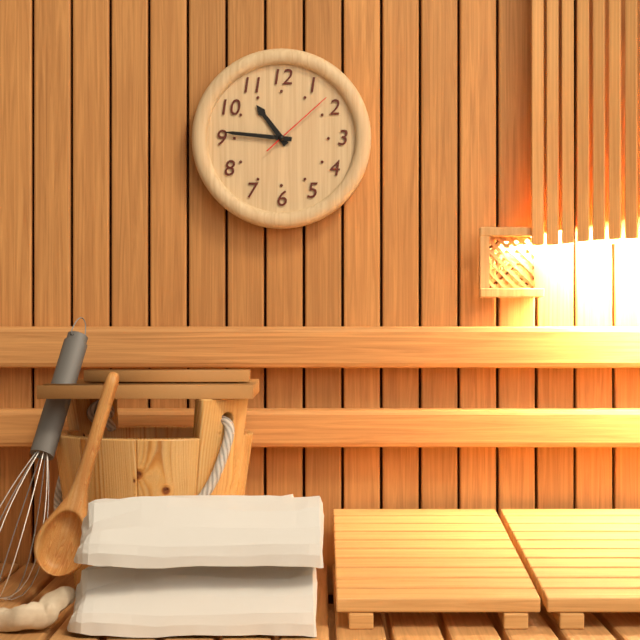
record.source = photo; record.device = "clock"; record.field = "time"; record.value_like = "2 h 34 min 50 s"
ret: 10 h 46 min 08 s
